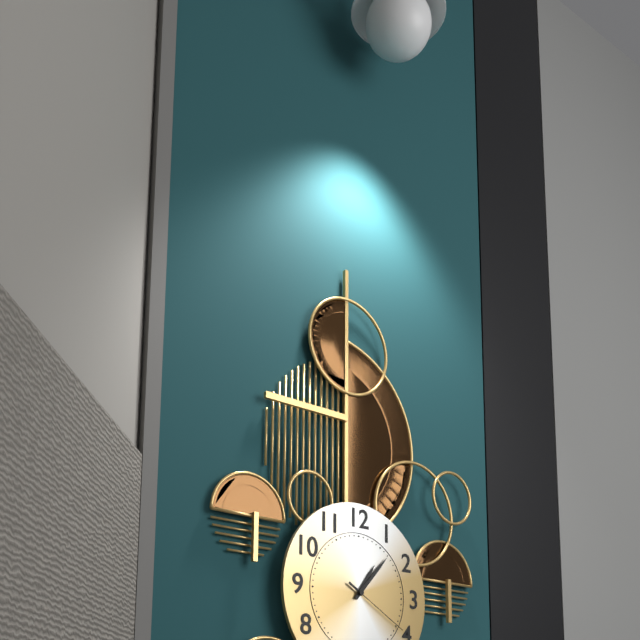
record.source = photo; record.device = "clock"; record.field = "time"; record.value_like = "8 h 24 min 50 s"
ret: 1 h 07 min 20 s
